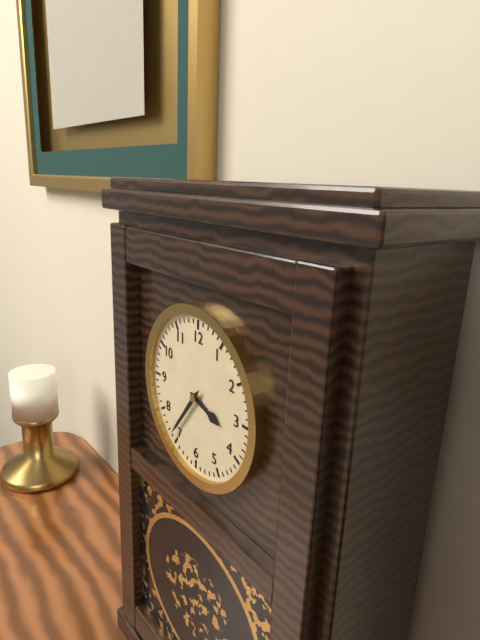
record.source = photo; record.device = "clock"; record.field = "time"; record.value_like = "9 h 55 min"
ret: 3 h 36 min
